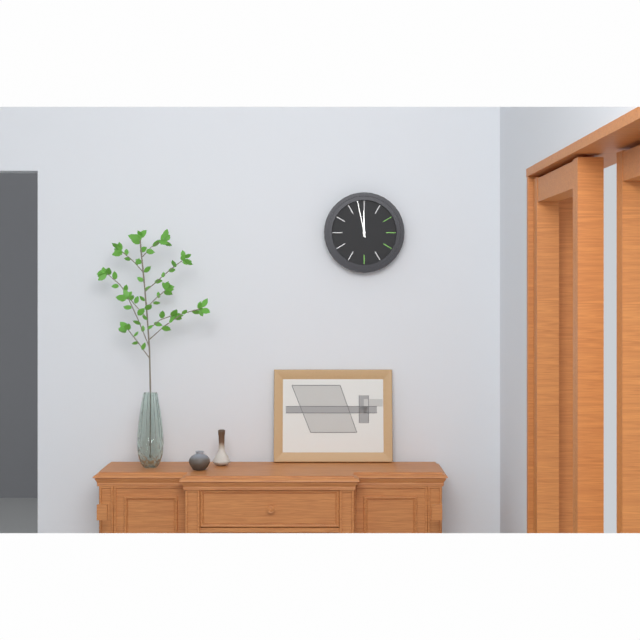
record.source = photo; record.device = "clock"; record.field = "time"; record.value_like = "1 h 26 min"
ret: 11 h 58 min
